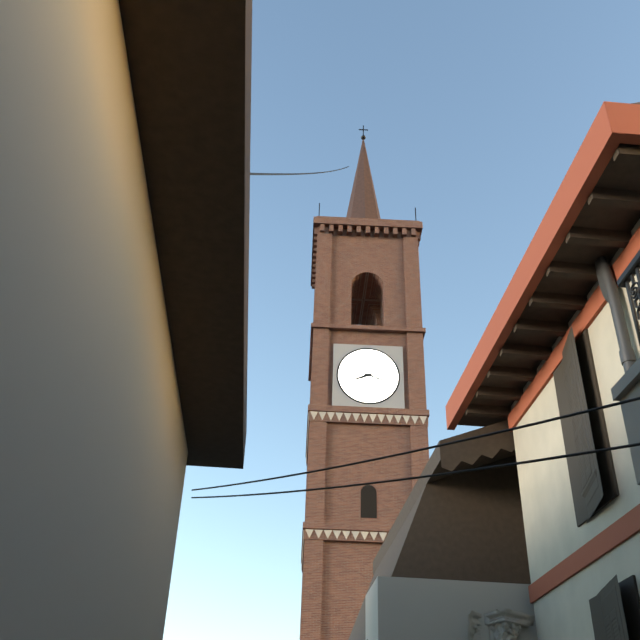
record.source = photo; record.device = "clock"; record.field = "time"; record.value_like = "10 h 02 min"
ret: 8 h 18 min
